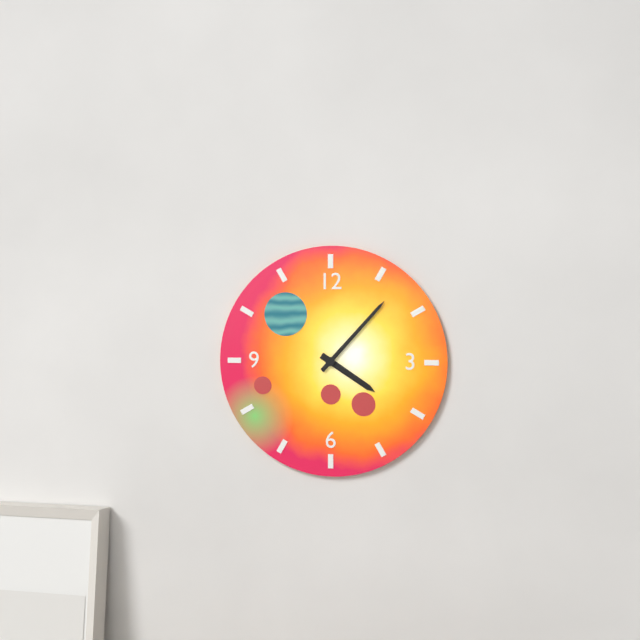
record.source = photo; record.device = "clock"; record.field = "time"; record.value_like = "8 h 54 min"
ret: 4 h 07 min
